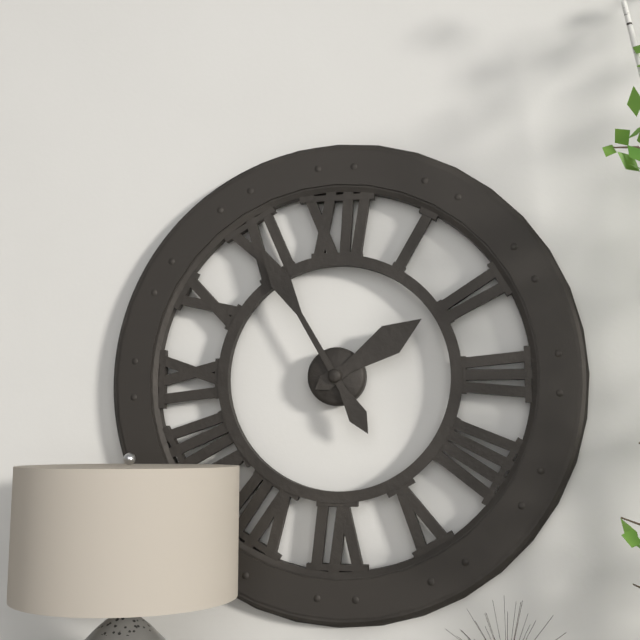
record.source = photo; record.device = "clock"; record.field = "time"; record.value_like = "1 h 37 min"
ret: 1 h 55 min
